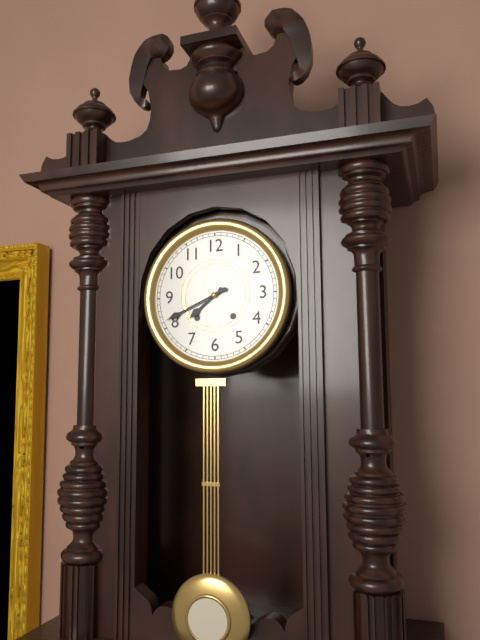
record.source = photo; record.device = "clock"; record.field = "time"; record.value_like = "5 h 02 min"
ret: 7 h 41 min
